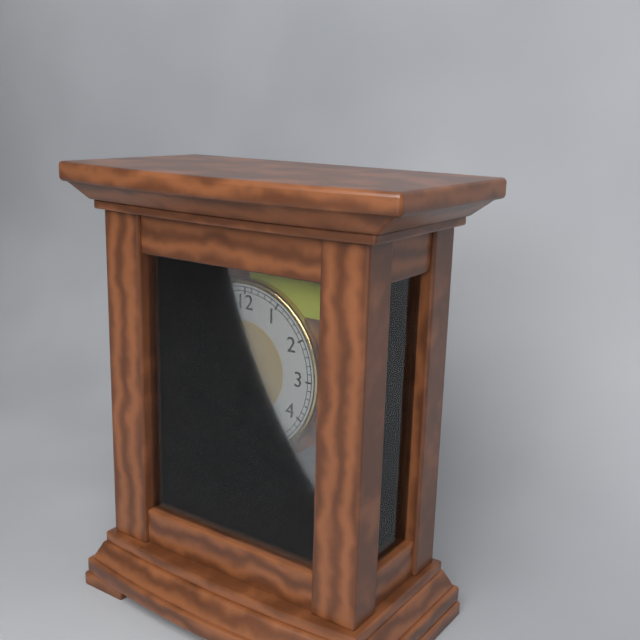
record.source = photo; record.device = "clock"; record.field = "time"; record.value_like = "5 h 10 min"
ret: 5 h 31 min
